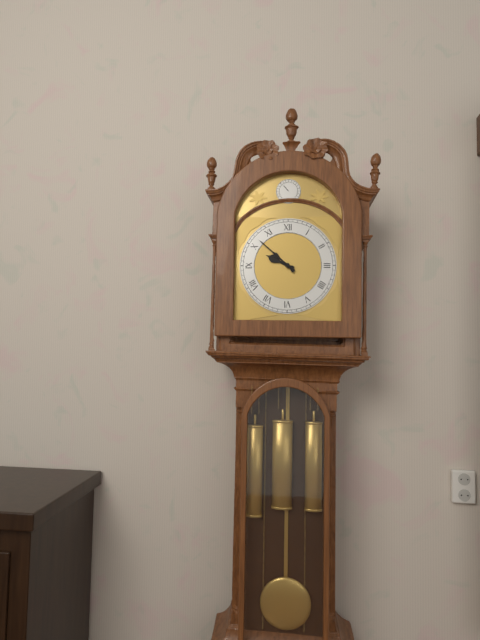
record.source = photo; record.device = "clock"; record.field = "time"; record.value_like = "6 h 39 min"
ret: 9 h 52 min
